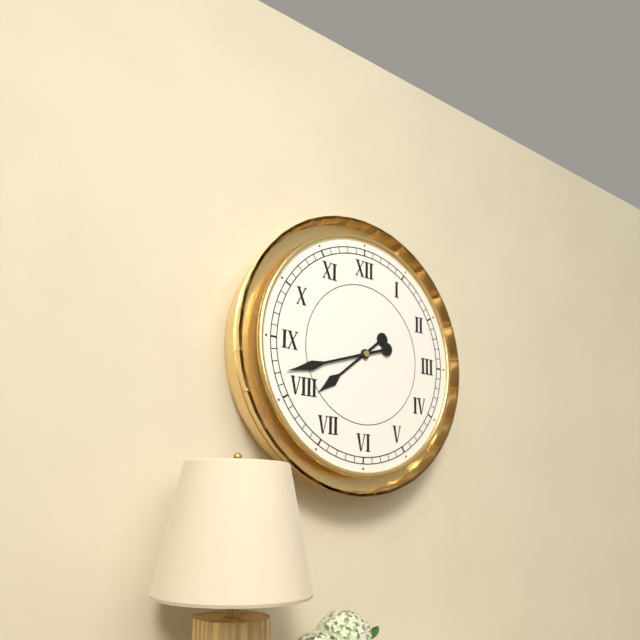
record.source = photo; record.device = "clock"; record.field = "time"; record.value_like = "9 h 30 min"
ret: 7 h 42 min
